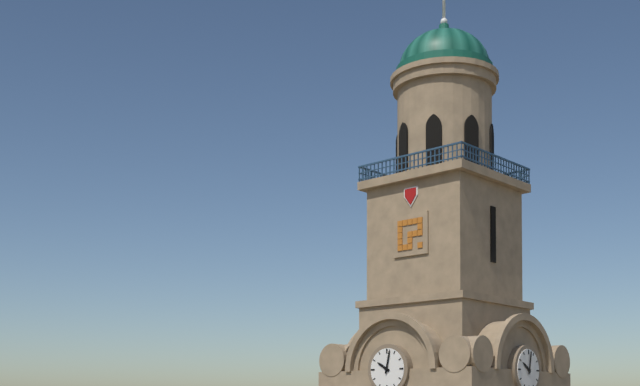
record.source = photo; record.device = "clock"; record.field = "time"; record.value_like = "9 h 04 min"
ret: 10 h 02 min
